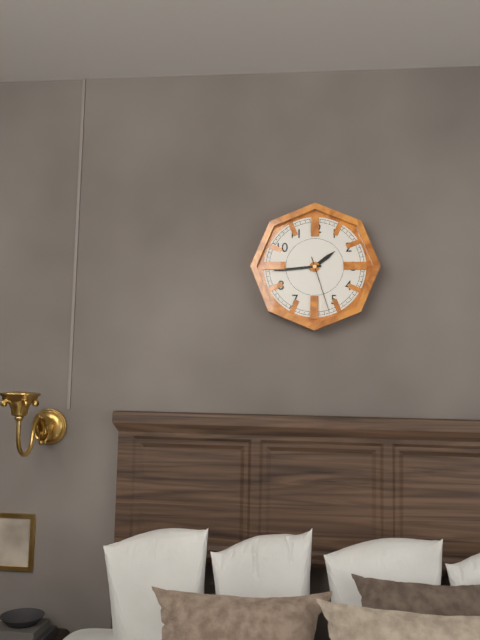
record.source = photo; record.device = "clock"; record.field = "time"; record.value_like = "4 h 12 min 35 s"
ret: 1 h 44 min 27 s
